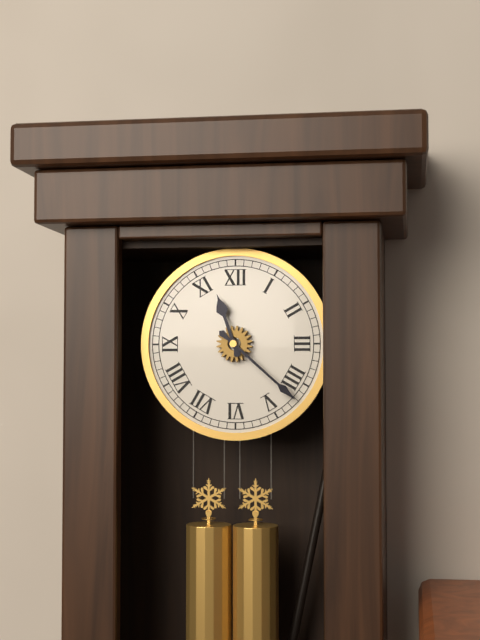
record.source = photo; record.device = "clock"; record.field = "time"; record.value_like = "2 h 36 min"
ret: 11 h 22 min
